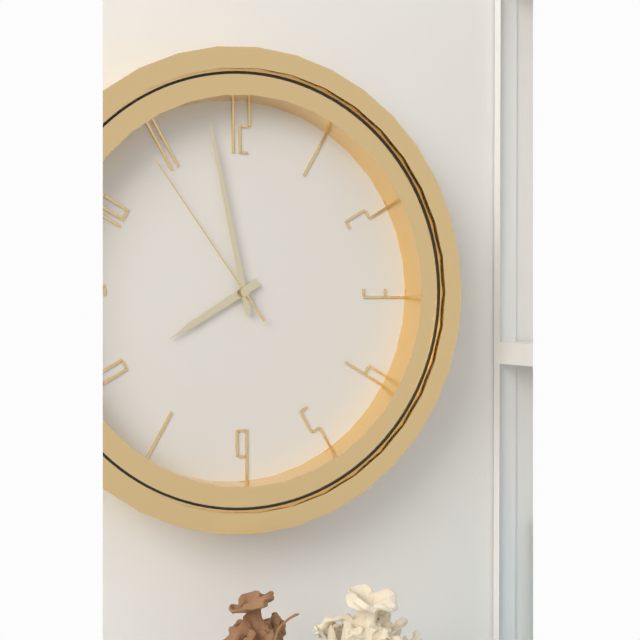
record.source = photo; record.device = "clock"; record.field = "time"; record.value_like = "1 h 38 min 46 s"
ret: 7 h 58 min 54 s
